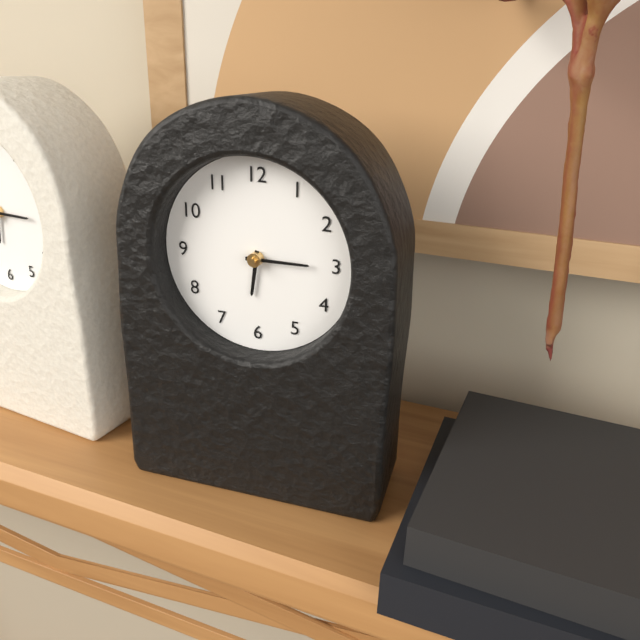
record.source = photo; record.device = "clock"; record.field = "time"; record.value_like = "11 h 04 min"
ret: 6 h 15 min
